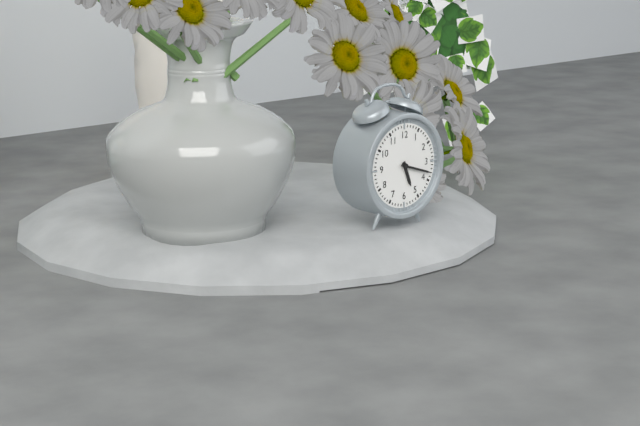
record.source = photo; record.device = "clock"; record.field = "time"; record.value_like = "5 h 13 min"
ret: 5 h 18 min
